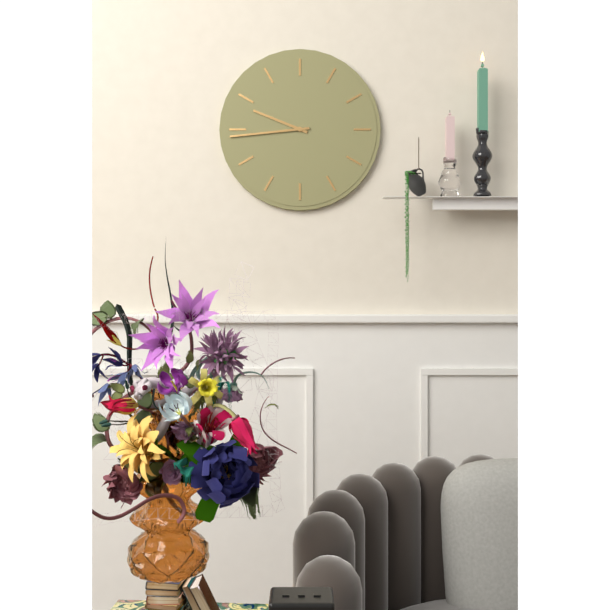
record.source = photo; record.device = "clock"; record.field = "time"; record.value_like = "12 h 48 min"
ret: 9 h 44 min
